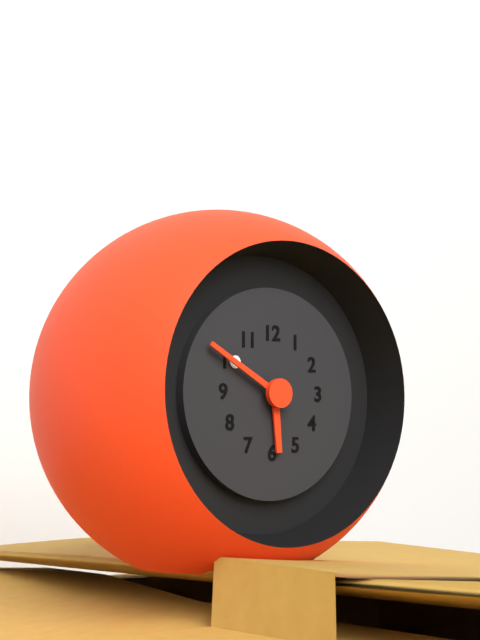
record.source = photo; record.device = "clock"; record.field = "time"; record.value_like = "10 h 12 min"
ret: 5 h 50 min
